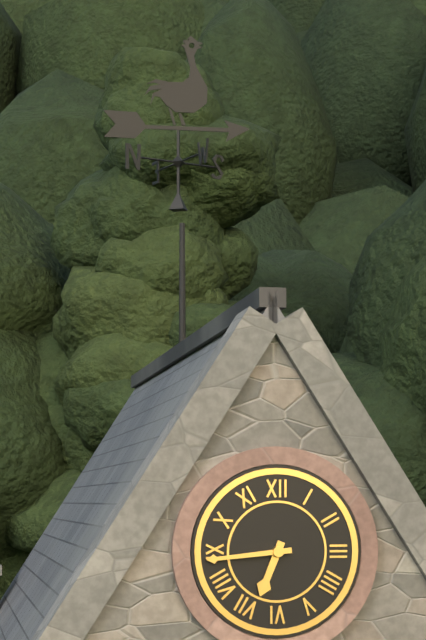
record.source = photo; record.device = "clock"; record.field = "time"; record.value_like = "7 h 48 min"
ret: 6 h 44 min
